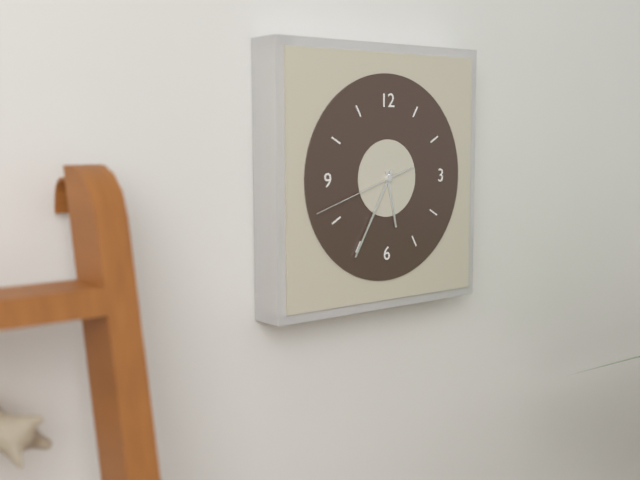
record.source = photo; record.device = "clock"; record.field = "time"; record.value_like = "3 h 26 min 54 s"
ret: 5 h 35 min 42 s
